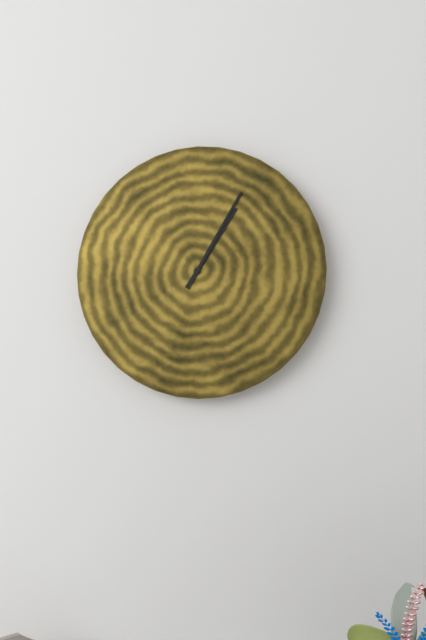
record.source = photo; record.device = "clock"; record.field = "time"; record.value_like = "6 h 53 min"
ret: 1 h 05 min
